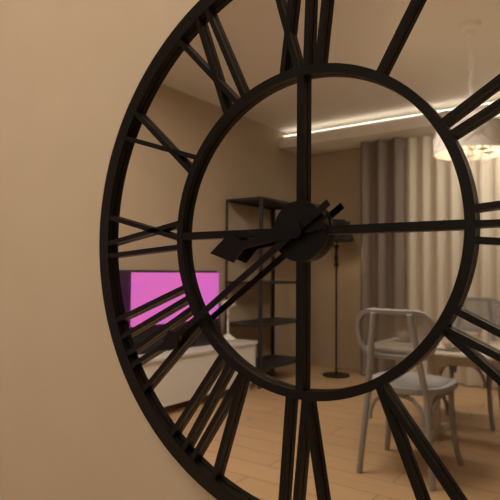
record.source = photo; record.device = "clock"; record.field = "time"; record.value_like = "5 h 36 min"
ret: 8 h 39 min
